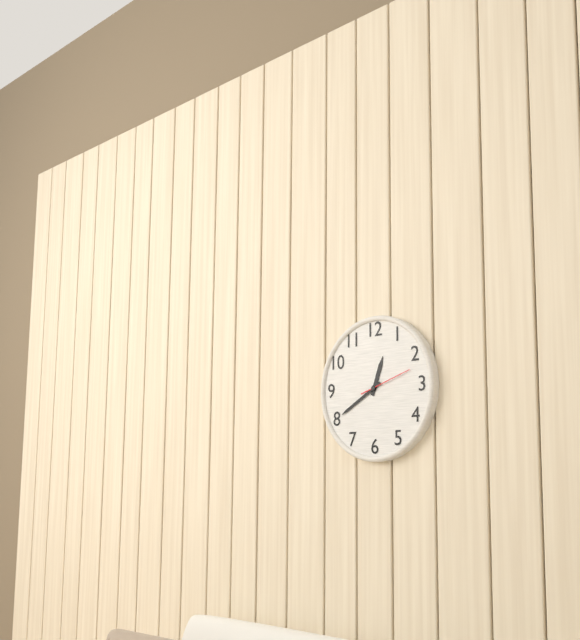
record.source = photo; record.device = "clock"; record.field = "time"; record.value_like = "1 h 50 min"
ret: 12 h 40 min
